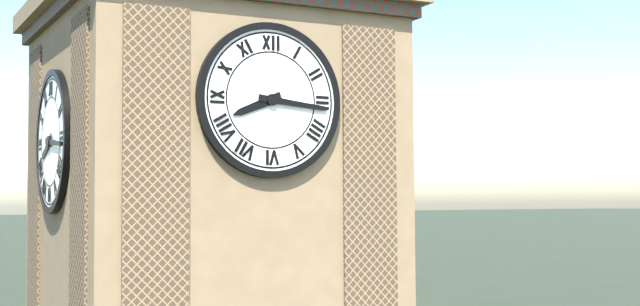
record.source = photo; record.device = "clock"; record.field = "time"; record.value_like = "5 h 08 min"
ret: 8 h 16 min
